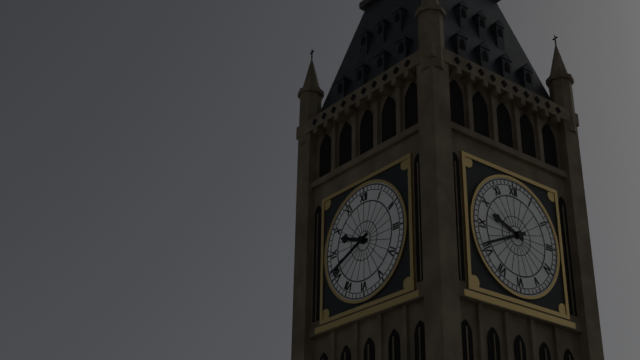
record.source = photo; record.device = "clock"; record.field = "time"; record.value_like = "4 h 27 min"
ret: 9 h 41 min
